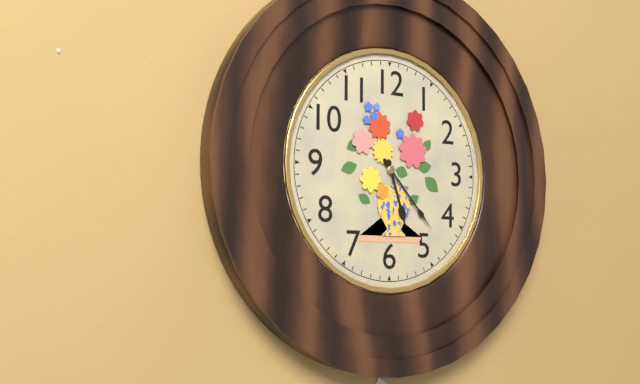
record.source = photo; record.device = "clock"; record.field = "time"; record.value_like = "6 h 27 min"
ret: 5 h 23 min
